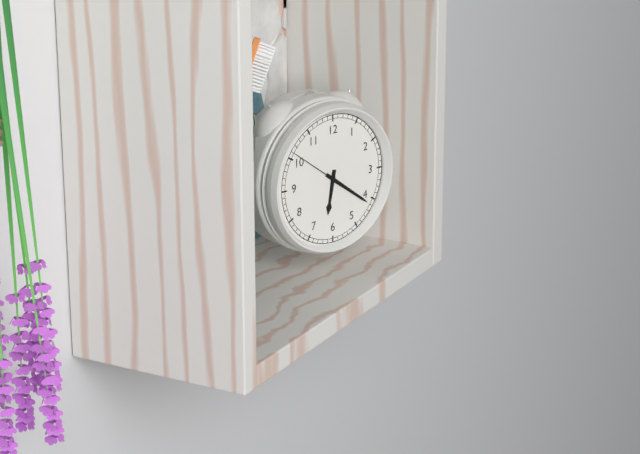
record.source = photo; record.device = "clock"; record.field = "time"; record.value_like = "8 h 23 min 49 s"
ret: 6 h 21 min 51 s
